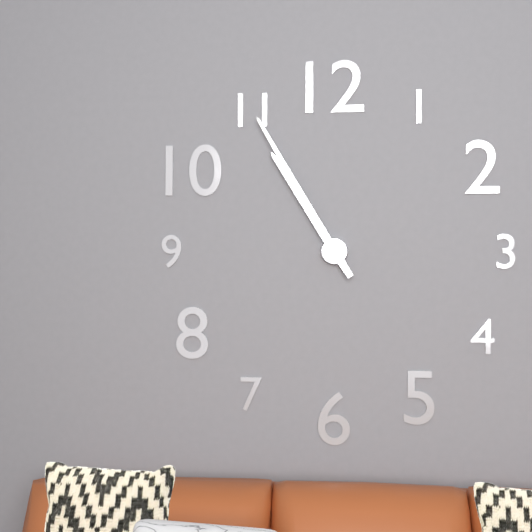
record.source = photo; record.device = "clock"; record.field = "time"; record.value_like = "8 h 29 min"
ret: 10 h 55 min
